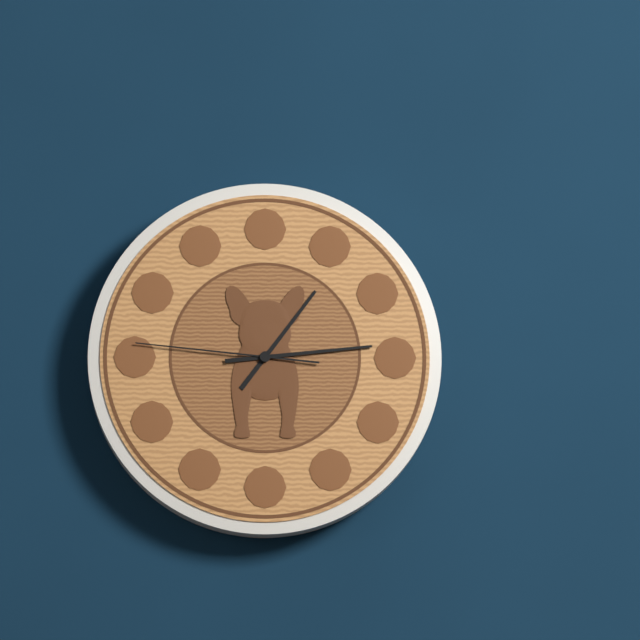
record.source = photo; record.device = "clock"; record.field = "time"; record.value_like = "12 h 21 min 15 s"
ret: 1 h 14 min 46 s
